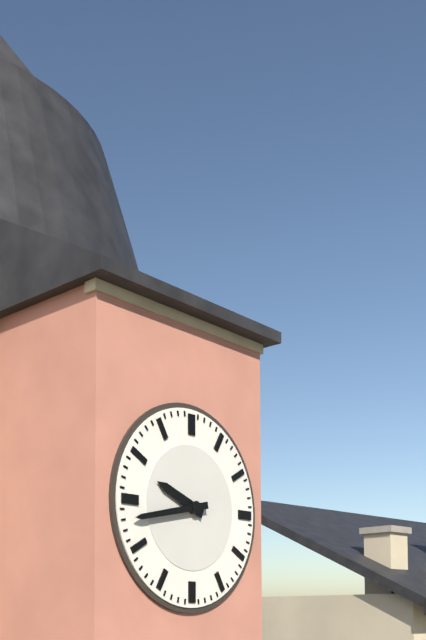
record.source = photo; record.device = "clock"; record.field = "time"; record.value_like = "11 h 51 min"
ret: 9 h 43 min
